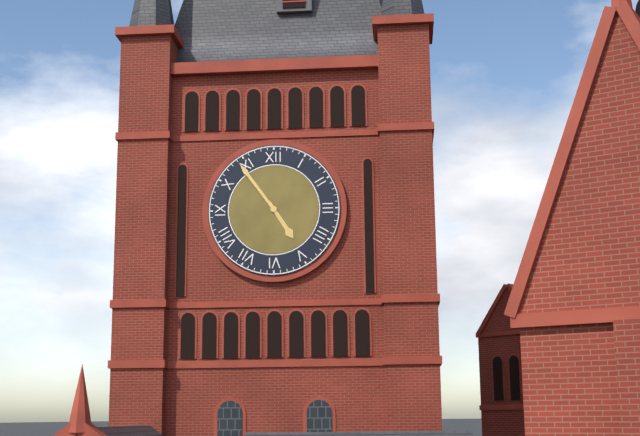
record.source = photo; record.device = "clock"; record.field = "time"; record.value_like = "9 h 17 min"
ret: 4 h 54 min
